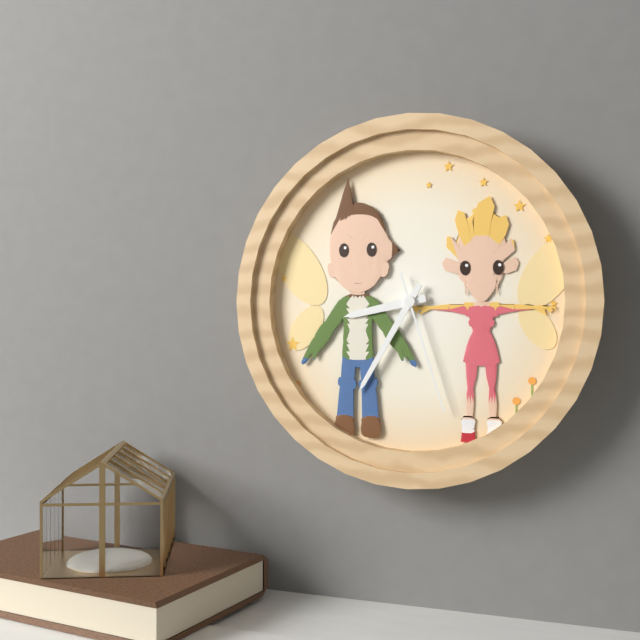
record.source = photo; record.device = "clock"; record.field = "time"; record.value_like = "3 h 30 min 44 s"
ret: 8 h 35 min 27 s
